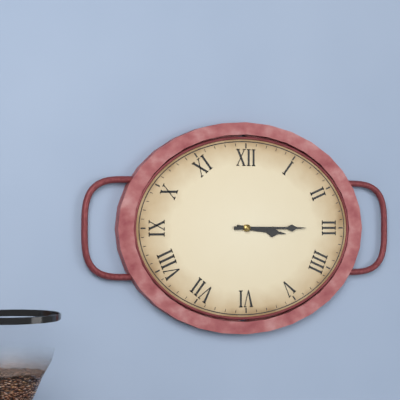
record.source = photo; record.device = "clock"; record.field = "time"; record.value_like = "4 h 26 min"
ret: 3 h 15 min
